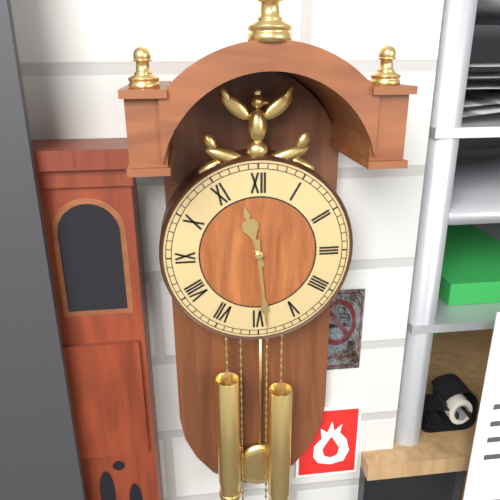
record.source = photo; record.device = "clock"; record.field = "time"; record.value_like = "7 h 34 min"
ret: 11 h 29 min
